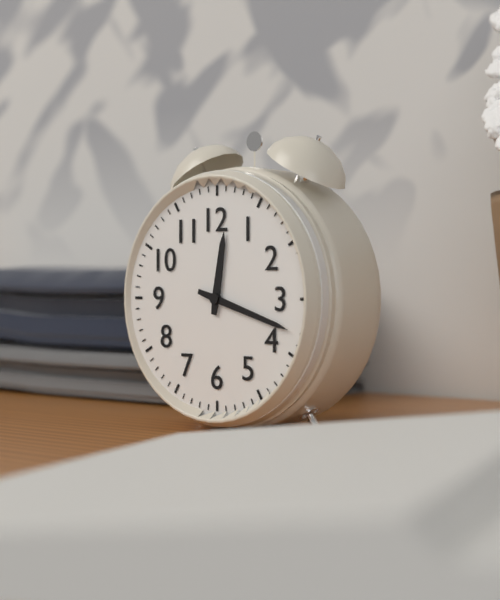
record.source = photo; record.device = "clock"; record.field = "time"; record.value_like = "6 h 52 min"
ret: 12 h 18 min
